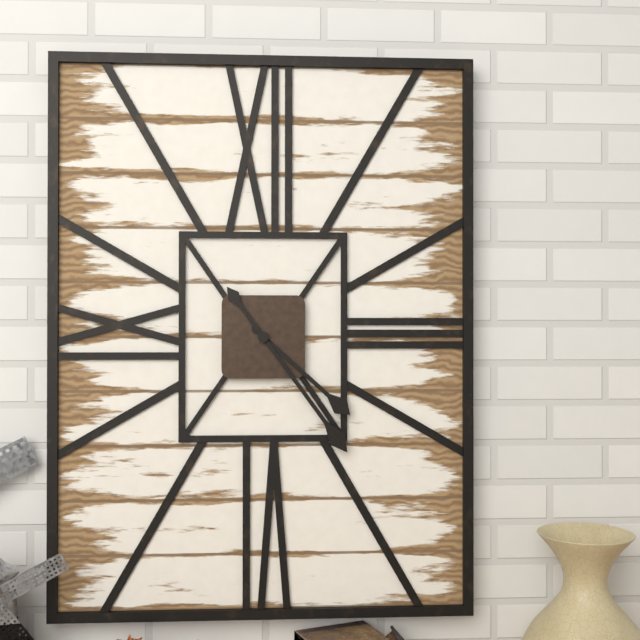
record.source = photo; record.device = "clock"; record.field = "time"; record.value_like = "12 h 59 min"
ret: 4 h 24 min
